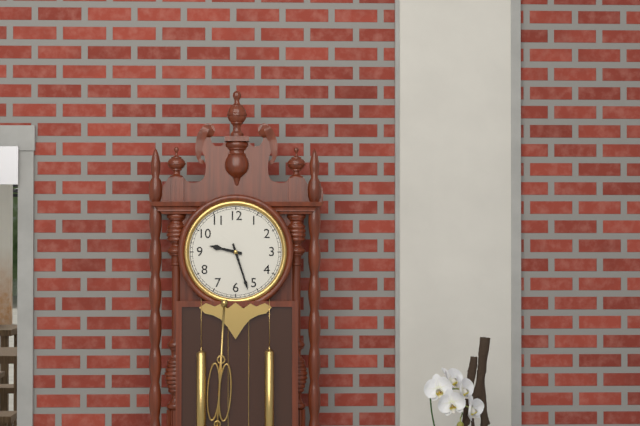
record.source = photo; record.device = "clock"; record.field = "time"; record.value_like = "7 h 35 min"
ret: 9 h 27 min
